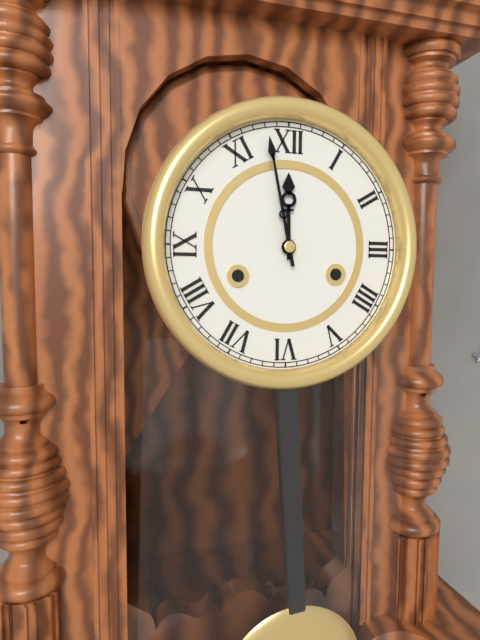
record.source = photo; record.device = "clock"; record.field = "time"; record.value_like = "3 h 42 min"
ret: 11 h 58 min
